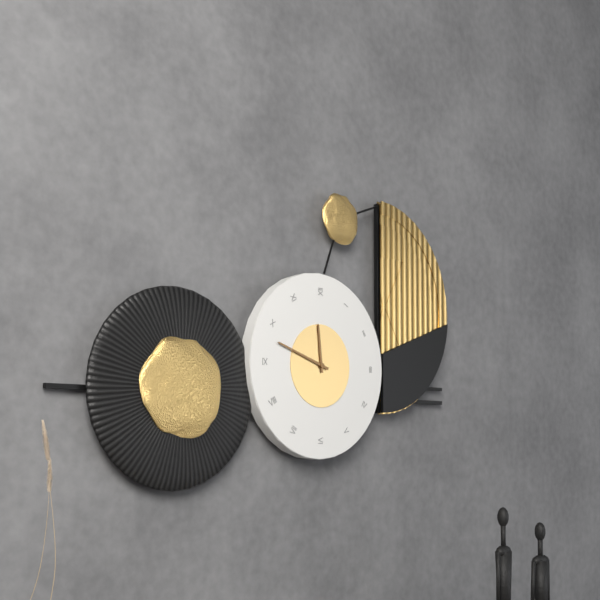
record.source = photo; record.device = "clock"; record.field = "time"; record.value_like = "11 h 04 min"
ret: 11 h 48 min
